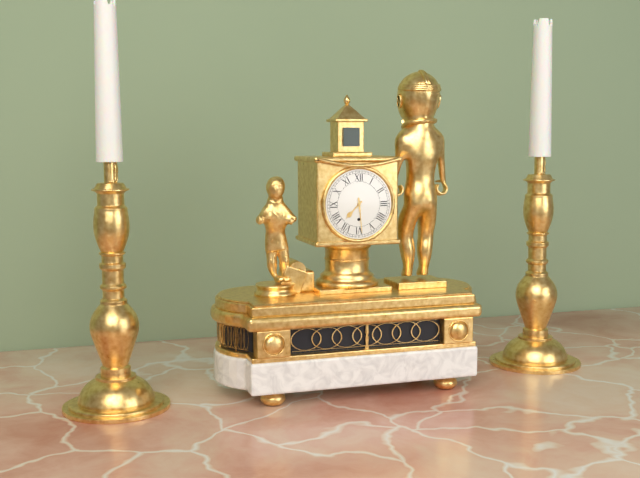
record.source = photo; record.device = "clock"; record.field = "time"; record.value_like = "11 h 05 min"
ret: 7 h 29 min
